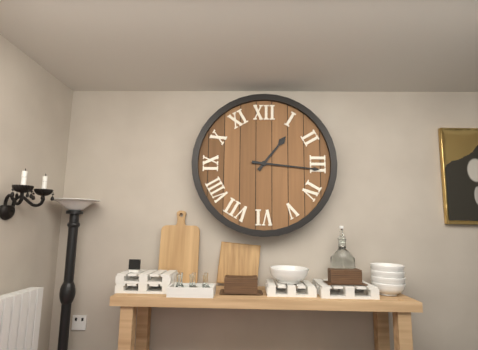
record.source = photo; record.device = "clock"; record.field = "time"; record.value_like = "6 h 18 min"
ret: 1 h 16 min
